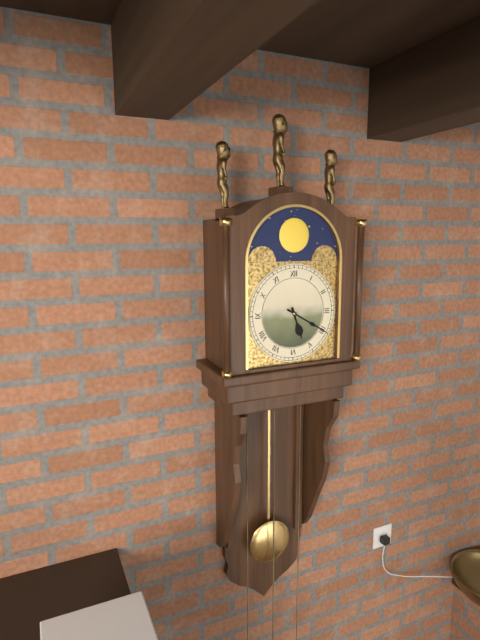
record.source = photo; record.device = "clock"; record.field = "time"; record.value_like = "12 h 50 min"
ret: 5 h 20 min
